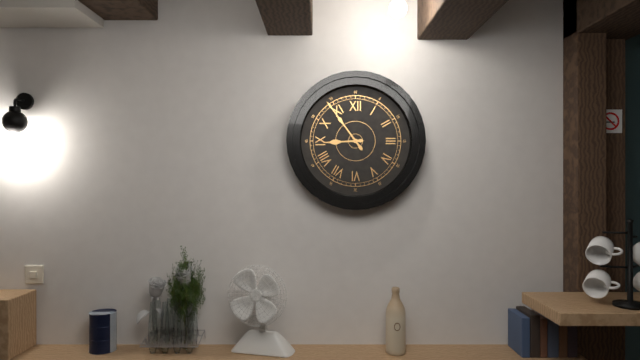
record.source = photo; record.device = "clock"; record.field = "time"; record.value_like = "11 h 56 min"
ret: 8 h 54 min
